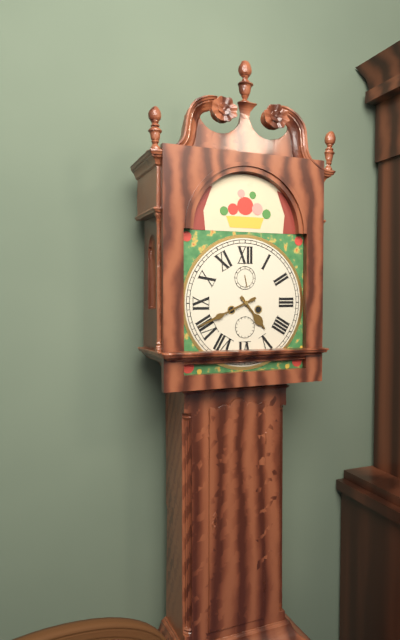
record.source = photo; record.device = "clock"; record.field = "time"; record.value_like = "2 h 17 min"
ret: 4 h 41 min
